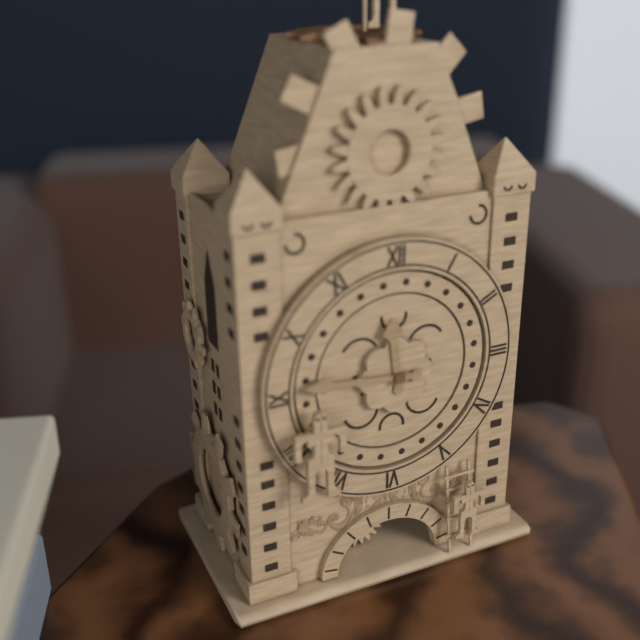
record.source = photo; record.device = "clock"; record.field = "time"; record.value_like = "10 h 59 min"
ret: 11 h 46 min
